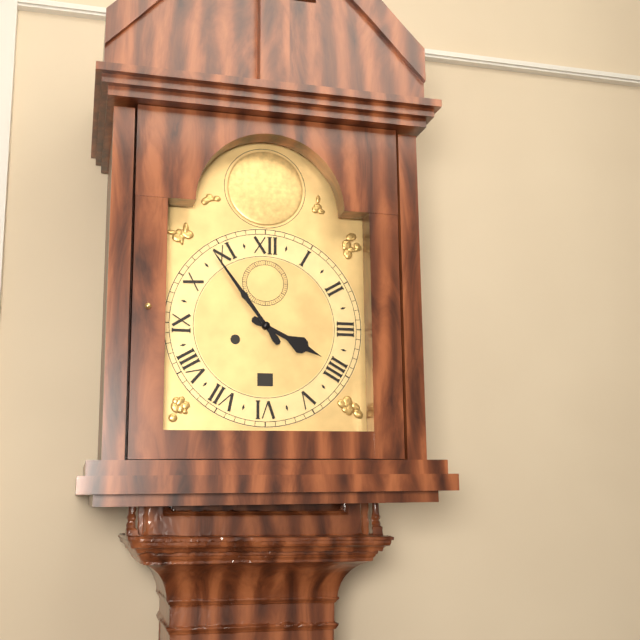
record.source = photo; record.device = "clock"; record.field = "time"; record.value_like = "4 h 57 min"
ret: 3 h 54 min
